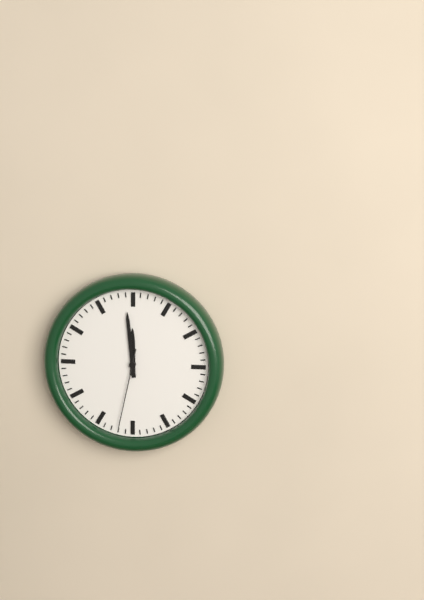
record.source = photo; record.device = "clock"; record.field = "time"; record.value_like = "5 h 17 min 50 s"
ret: 11 h 59 min 32 s
